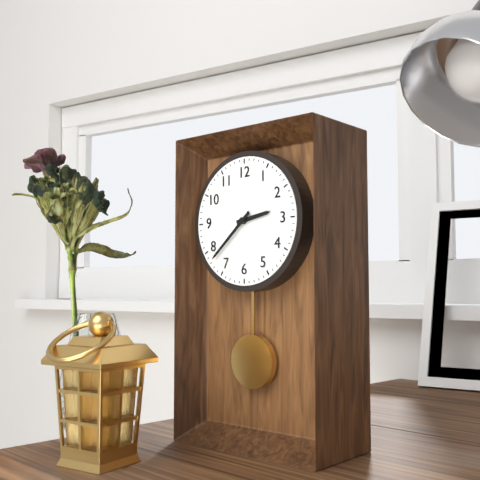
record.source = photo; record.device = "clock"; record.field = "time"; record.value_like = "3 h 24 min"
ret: 2 h 38 min
